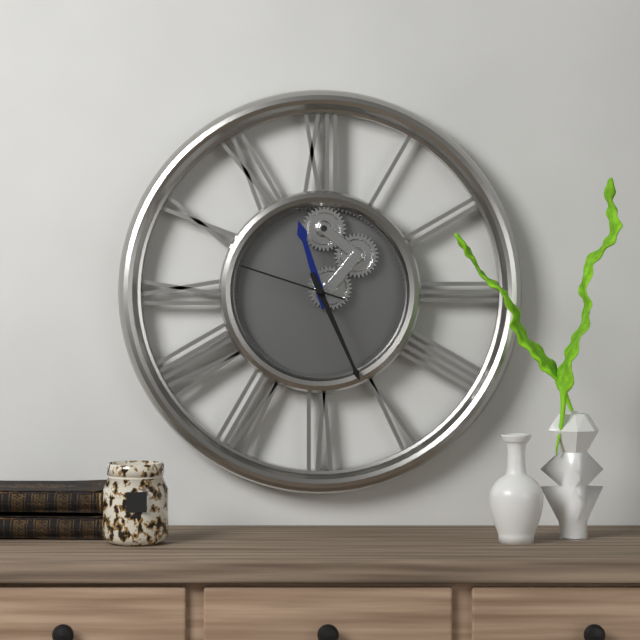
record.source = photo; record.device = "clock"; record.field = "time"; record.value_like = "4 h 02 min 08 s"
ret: 11 h 26 min 48 s
